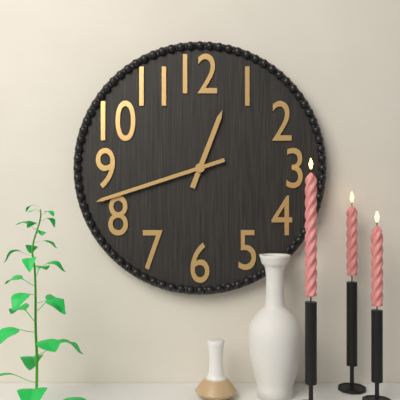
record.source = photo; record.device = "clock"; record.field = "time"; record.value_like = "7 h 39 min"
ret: 12 h 42 min
